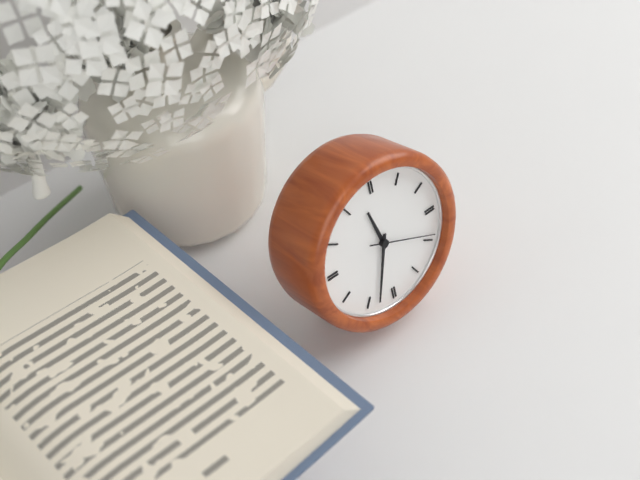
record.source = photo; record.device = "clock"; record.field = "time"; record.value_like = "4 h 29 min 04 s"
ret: 11 h 33 min 19 s
